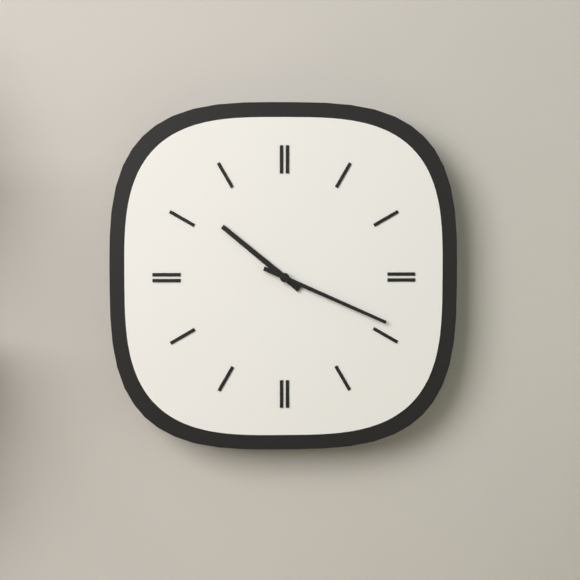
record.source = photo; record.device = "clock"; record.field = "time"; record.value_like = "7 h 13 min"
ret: 10 h 19 min
